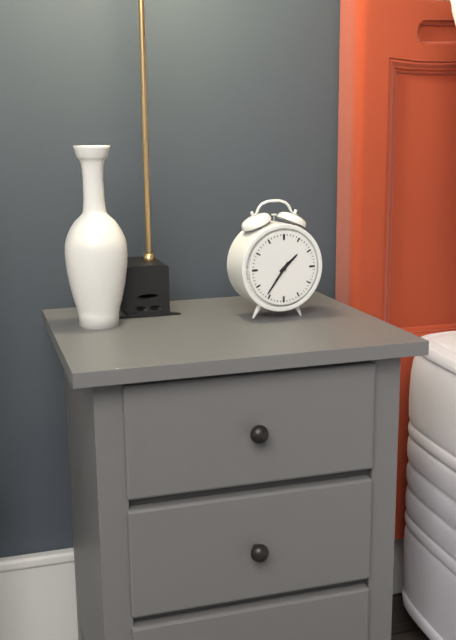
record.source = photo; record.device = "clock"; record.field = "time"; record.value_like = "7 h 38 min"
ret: 1 h 36 min
